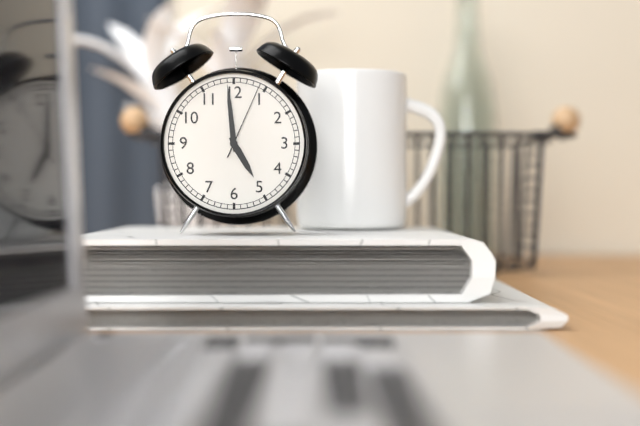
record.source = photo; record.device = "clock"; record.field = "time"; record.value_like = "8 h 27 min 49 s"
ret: 4 h 59 min 04 s
